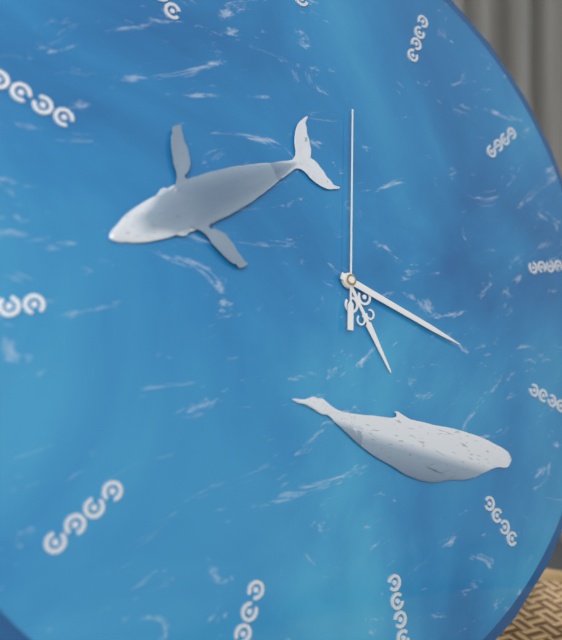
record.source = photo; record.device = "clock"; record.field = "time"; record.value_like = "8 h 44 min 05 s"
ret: 5 h 20 min 02 s
